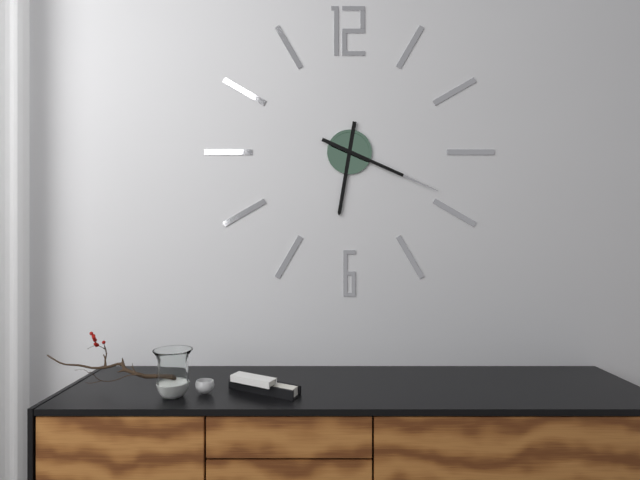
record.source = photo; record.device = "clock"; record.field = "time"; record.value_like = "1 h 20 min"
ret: 6 h 19 min
